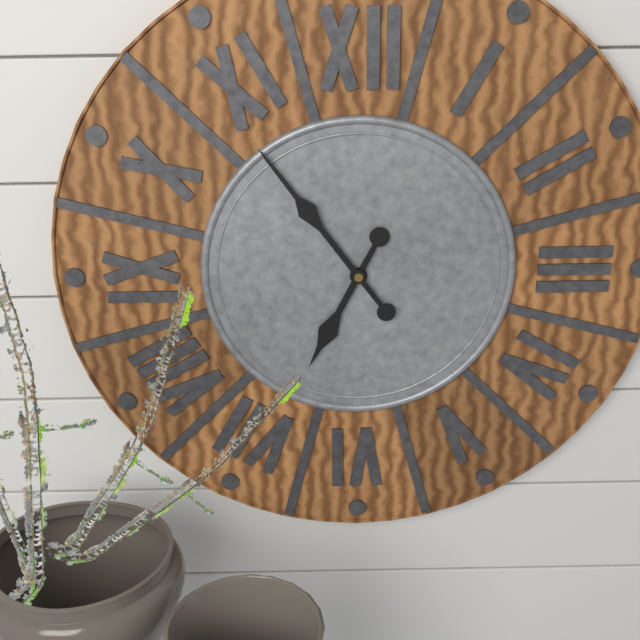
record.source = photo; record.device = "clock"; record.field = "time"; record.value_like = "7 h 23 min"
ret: 6 h 54 min
